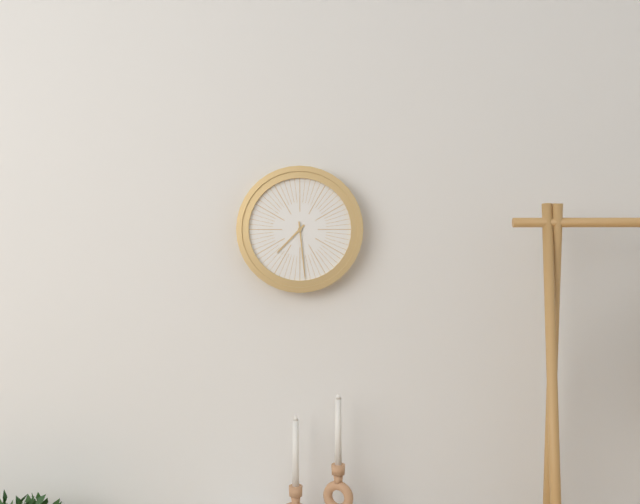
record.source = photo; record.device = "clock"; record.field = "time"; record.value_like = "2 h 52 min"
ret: 7 h 29 min
